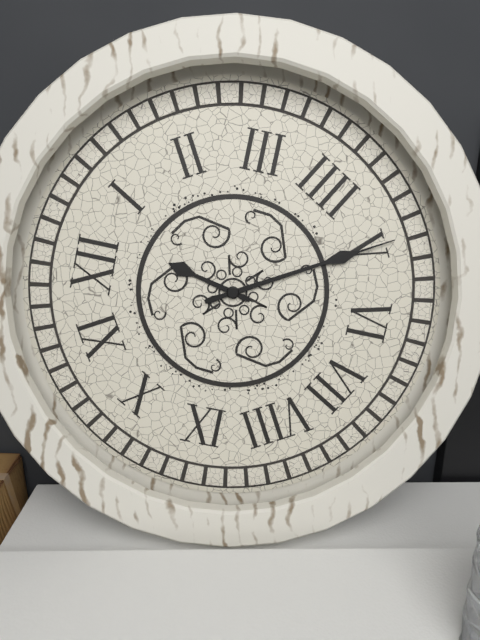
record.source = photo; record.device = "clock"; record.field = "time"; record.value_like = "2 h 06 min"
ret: 12 h 25 min
